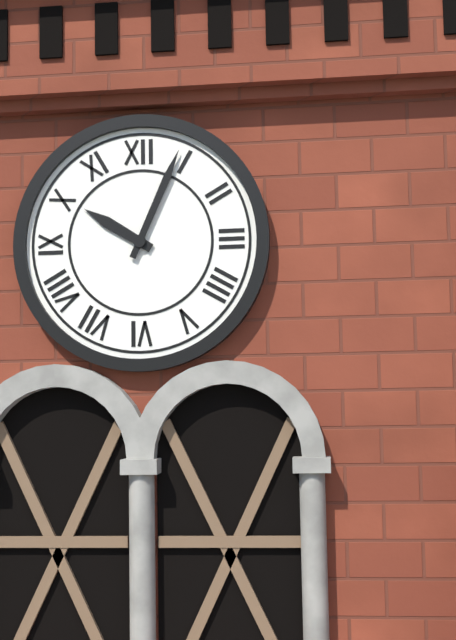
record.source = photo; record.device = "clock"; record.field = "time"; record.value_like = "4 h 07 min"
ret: 10 h 04 min
